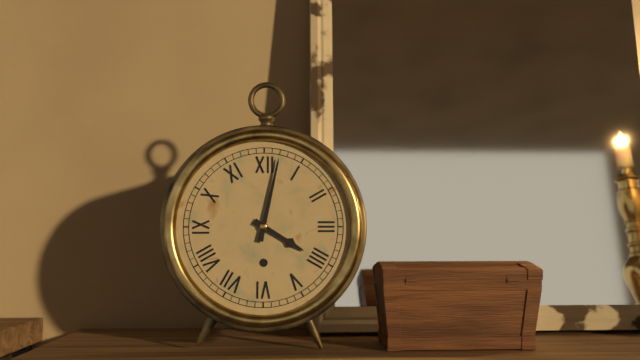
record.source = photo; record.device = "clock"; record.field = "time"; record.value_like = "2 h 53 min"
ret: 4 h 02 min
